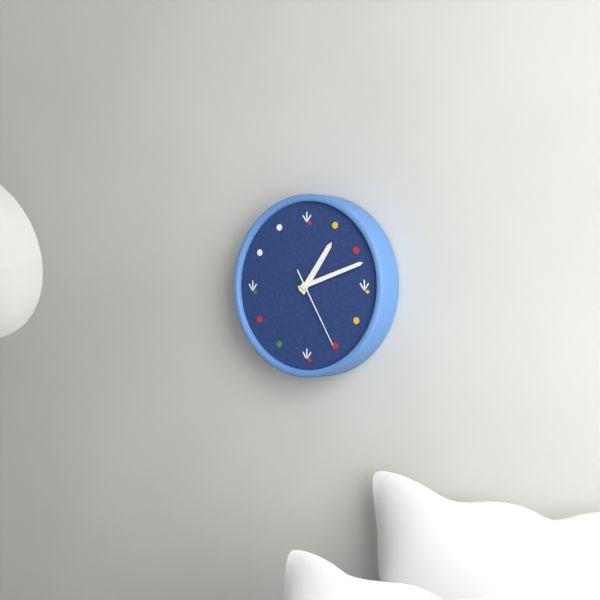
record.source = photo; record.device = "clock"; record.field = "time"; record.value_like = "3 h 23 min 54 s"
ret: 1 h 12 min 25 s
